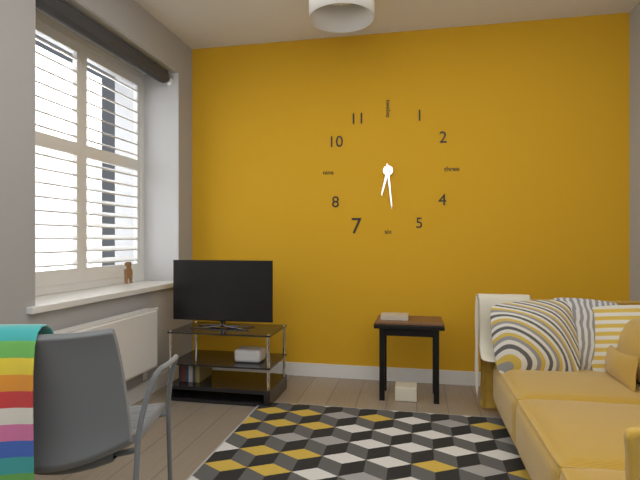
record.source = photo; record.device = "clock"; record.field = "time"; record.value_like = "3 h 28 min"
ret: 6 h 29 min
